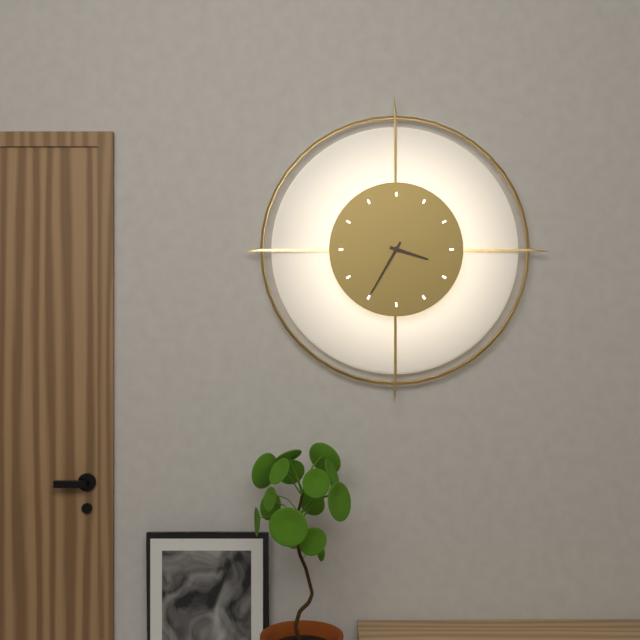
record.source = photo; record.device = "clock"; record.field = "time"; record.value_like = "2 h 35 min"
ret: 3 h 35 min
